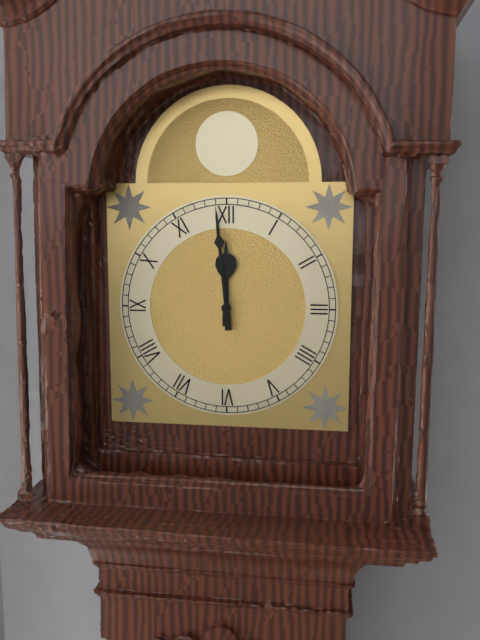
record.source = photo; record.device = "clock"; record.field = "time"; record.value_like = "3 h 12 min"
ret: 11 h 59 min
